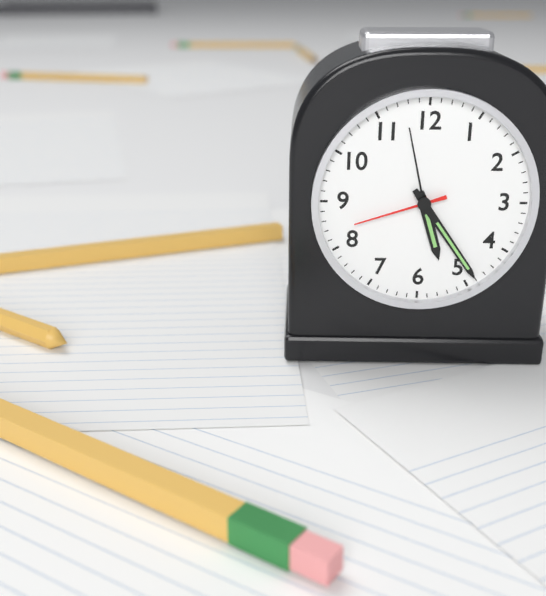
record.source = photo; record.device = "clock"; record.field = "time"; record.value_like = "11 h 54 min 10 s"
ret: 5 h 24 min 42 s
